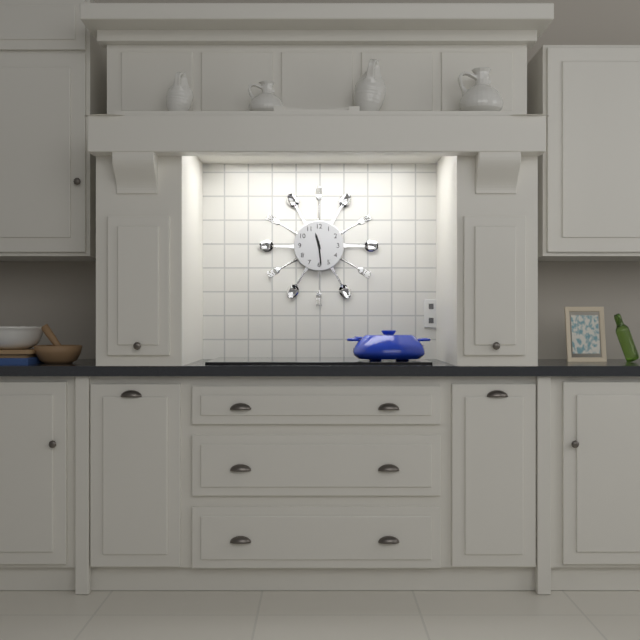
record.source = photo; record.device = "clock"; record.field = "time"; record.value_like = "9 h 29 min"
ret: 11 h 29 min
